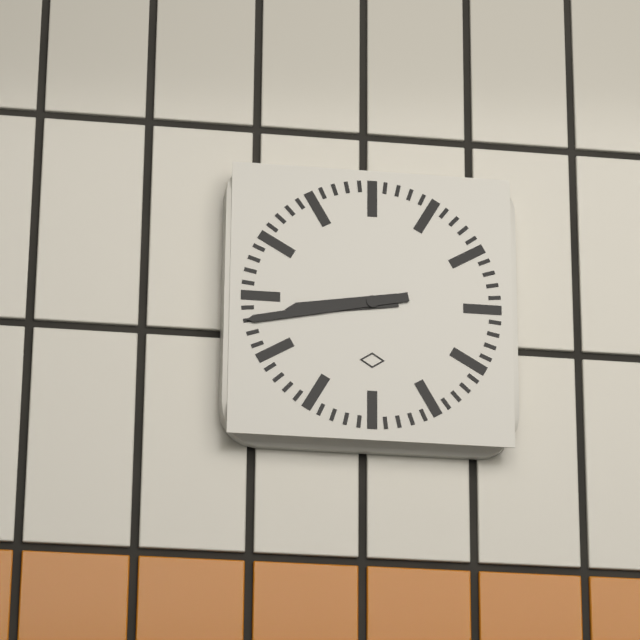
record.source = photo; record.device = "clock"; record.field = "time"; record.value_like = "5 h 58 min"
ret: 8 h 43 min
